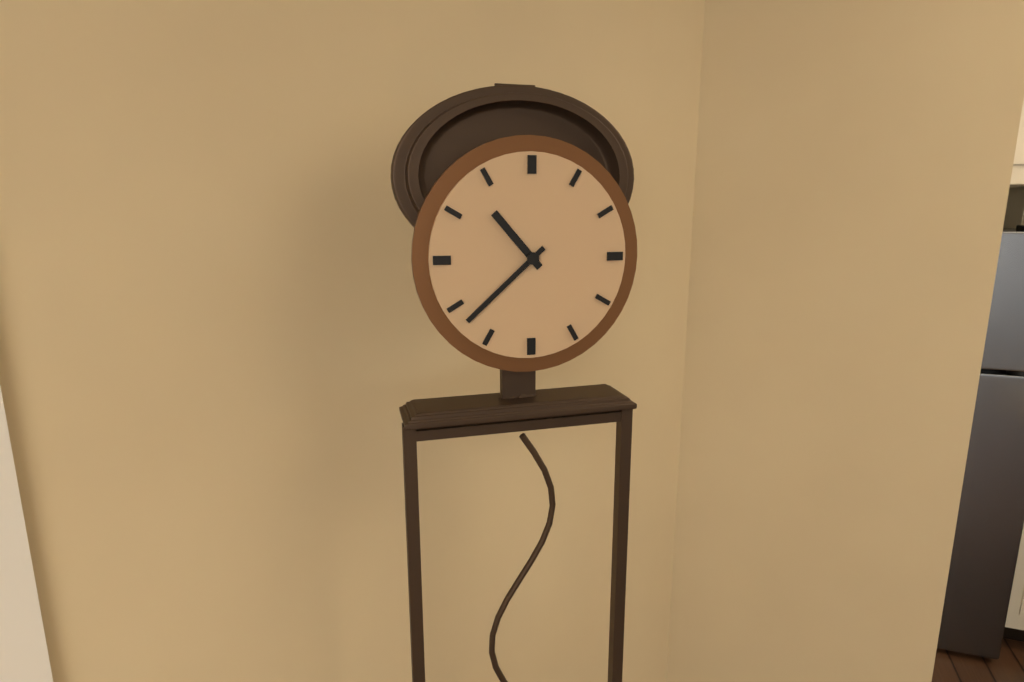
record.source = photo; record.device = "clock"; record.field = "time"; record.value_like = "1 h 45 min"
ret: 10 h 38 min
